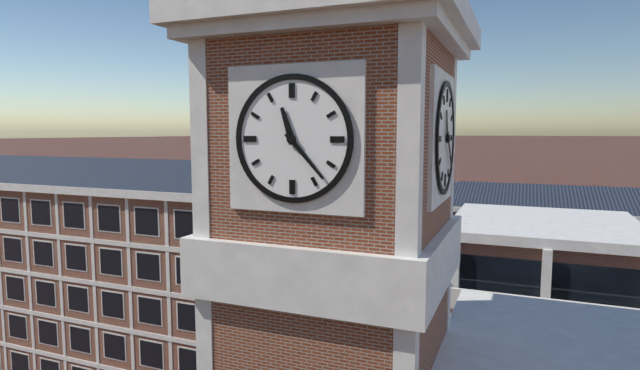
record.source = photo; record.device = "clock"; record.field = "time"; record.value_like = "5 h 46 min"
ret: 11 h 23 min
